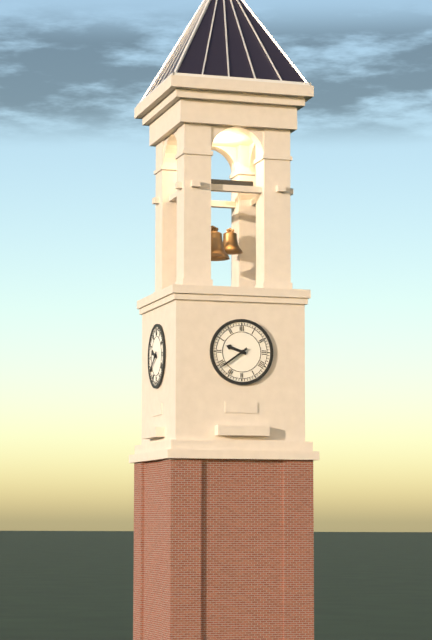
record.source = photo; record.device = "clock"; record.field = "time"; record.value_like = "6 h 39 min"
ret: 9 h 39 min
